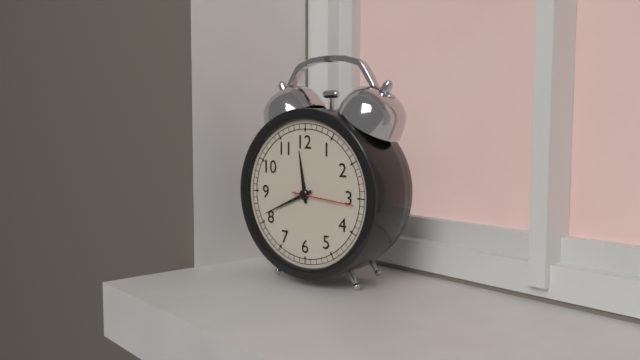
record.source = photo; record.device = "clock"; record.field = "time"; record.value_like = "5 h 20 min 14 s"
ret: 11 h 41 min 16 s
